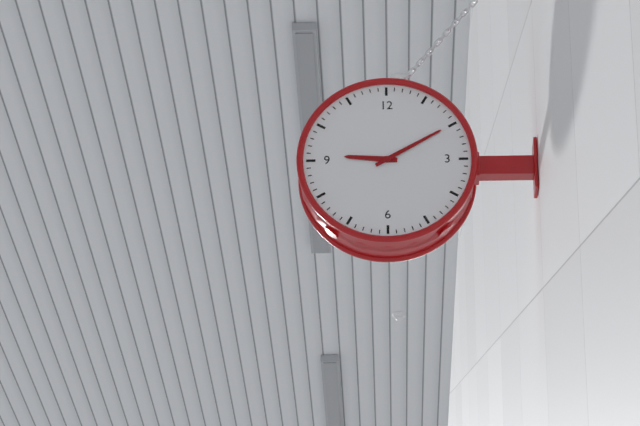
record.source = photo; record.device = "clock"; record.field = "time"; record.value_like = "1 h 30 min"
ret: 9 h 10 min
